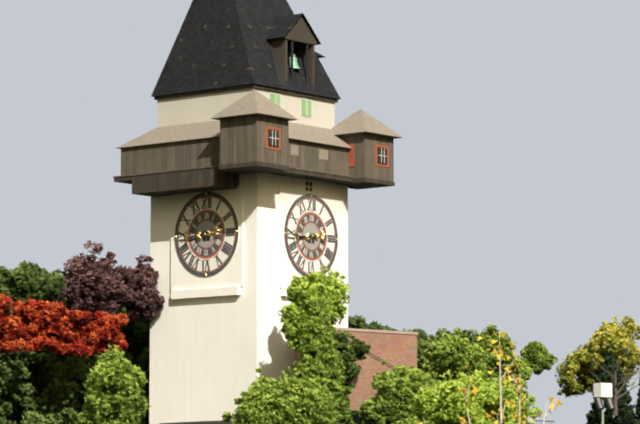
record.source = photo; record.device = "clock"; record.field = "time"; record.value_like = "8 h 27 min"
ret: 2 h 44 min
